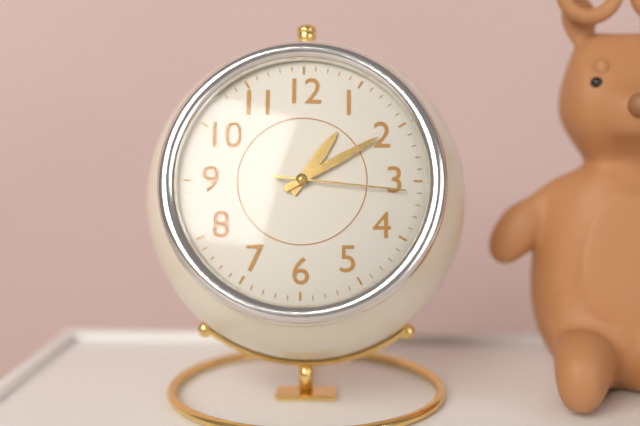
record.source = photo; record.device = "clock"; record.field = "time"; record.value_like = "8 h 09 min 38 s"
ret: 1 h 10 min 16 s
